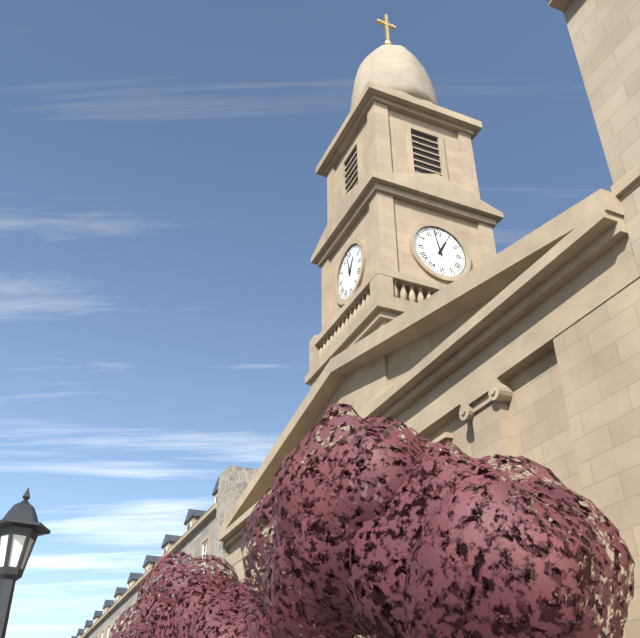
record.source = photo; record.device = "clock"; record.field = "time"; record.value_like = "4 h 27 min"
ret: 12 h 58 min
